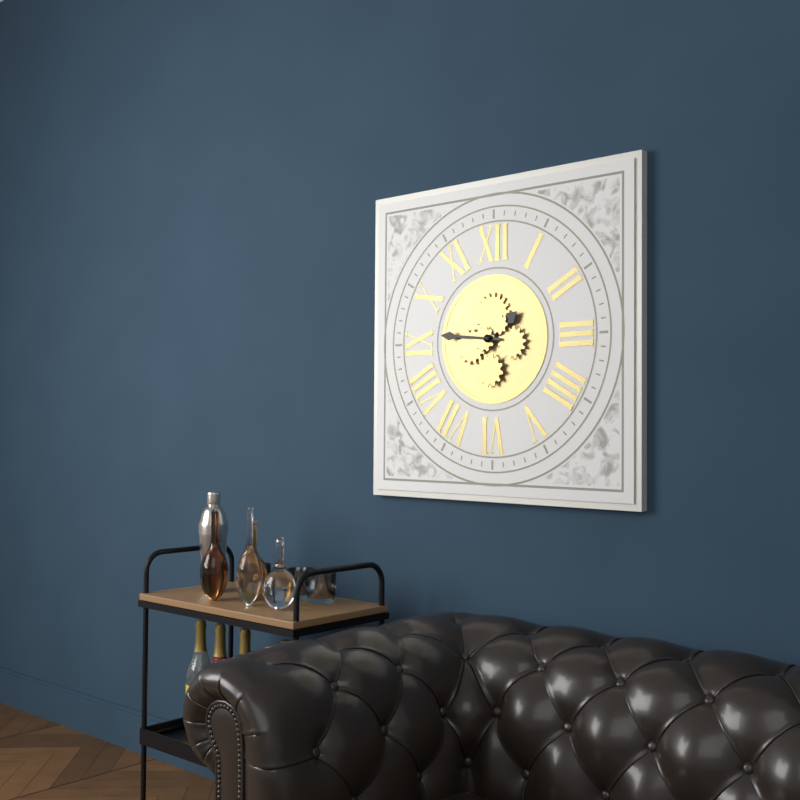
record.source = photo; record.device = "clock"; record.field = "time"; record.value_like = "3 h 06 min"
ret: 1 h 46 min
